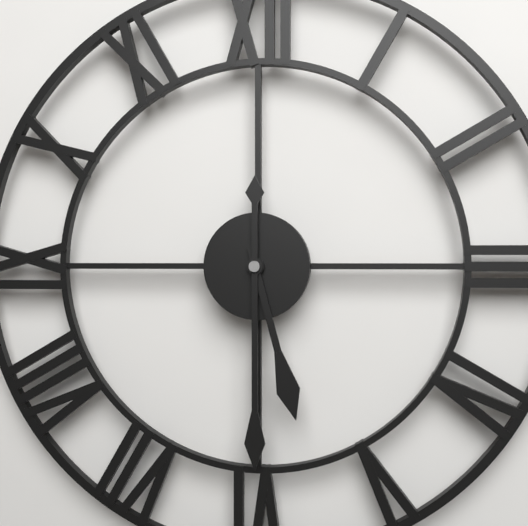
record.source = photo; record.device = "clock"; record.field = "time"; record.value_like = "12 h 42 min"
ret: 5 h 30 min
